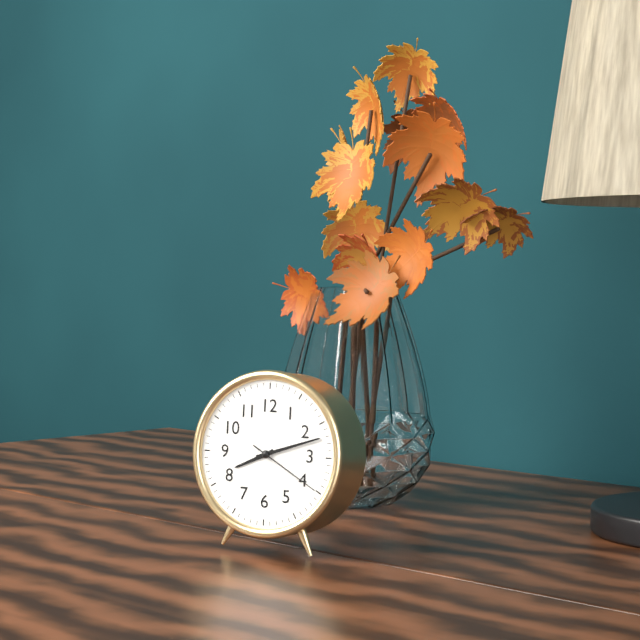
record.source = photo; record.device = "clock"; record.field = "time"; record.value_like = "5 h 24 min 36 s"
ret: 8 h 12 min 20 s
